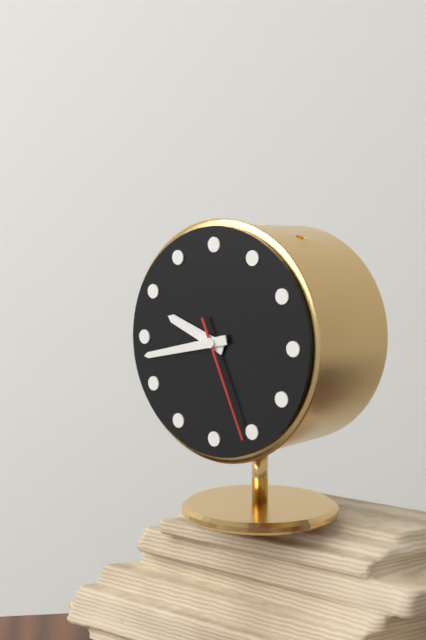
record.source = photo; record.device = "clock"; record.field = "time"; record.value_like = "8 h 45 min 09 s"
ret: 9 h 43 min 26 s
